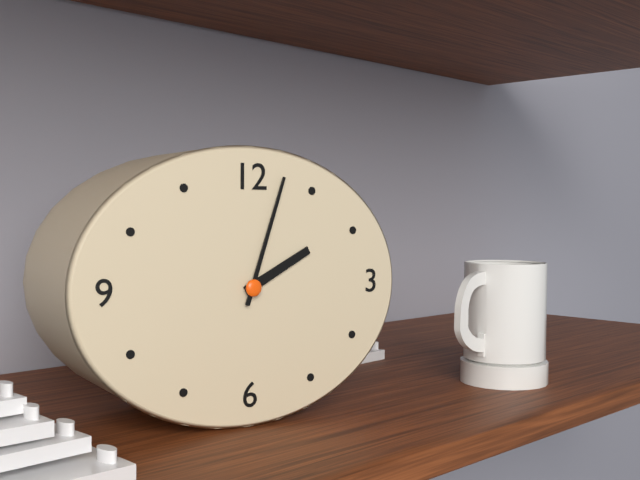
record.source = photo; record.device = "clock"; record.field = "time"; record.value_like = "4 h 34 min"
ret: 2 h 03 min
